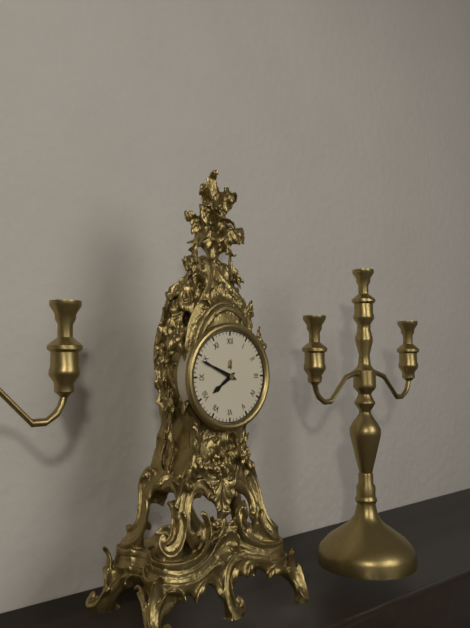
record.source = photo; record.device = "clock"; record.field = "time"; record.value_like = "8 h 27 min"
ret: 7 h 49 min
